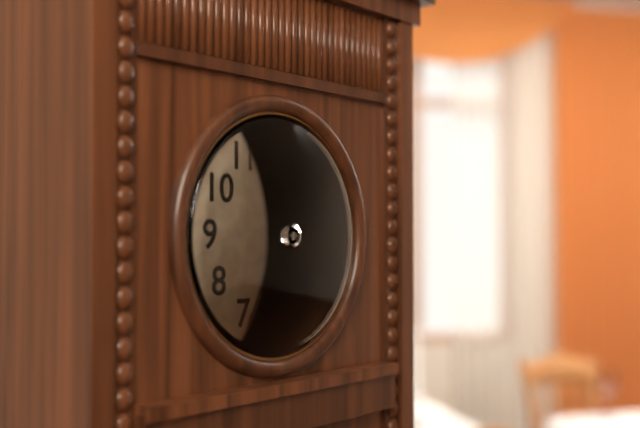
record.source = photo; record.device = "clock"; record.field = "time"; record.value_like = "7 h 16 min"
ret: 5 h 34 min
